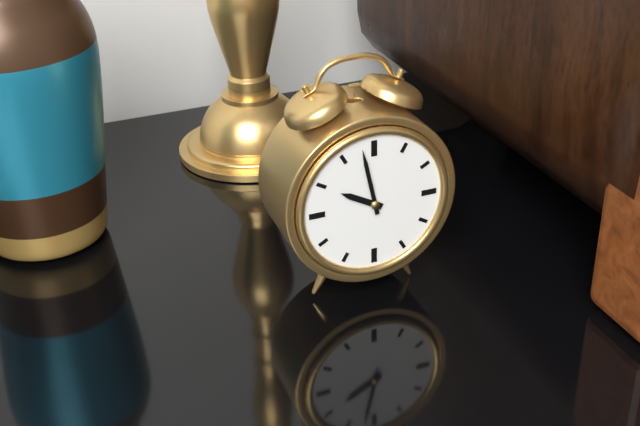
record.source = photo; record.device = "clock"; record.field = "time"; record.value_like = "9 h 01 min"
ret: 9 h 58 min
